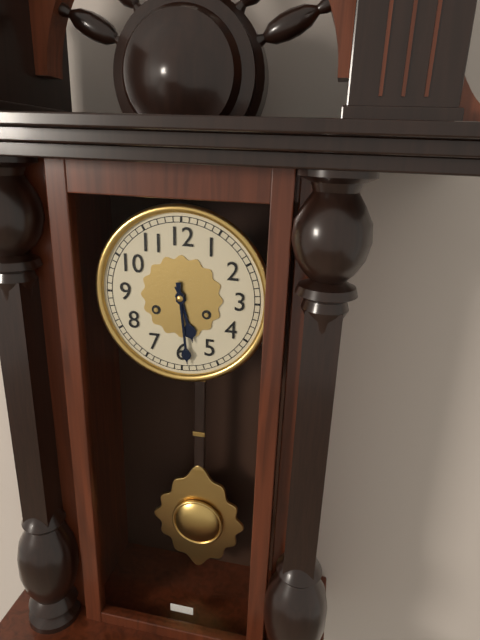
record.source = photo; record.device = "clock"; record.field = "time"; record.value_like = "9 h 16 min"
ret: 5 h 29 min
